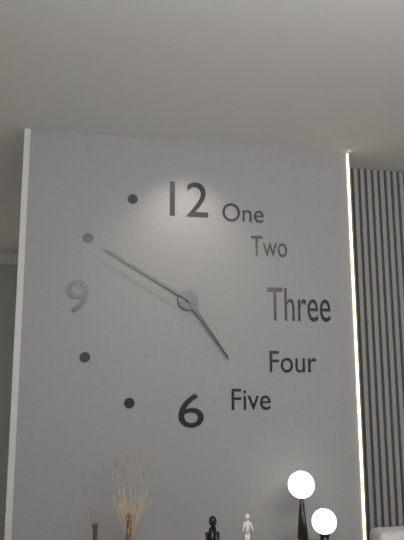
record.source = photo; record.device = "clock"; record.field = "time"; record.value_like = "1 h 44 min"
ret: 4 h 50 min
